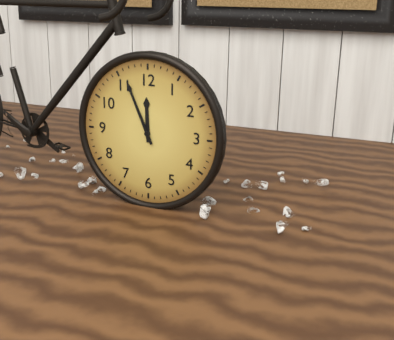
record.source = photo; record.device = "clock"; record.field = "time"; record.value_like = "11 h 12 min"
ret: 11 h 56 min
